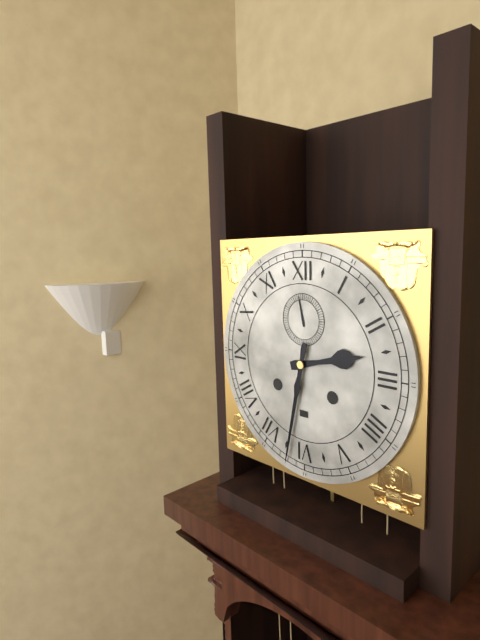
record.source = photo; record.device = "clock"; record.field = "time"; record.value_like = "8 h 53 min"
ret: 2 h 32 min
